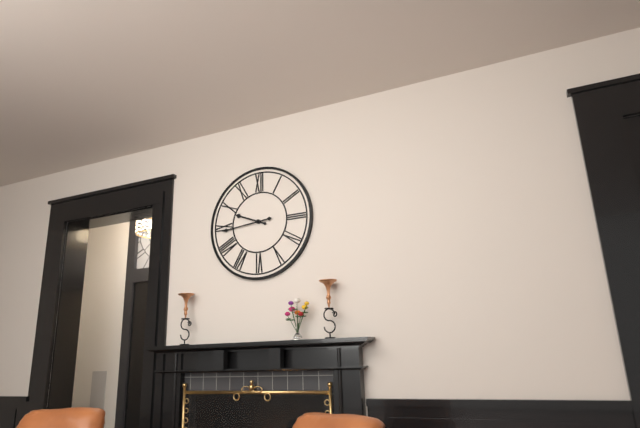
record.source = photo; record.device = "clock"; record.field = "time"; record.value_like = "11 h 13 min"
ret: 9 h 44 min
